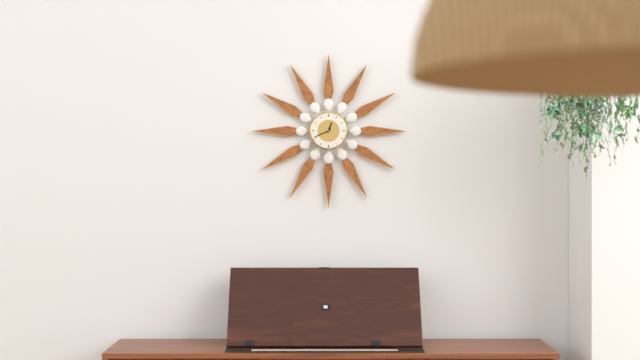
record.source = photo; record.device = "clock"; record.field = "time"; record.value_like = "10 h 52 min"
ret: 12 h 41 min
